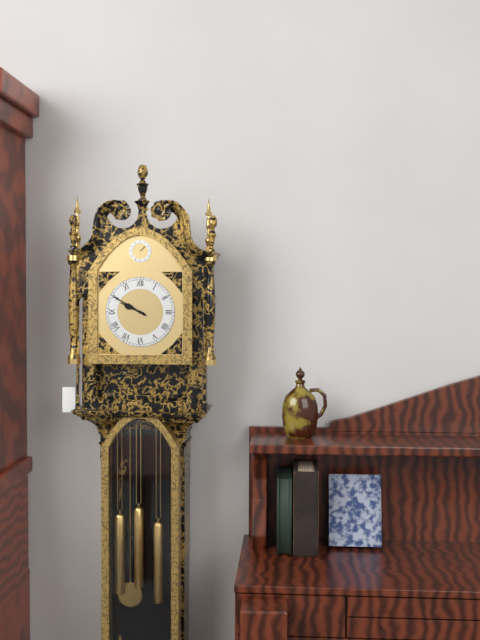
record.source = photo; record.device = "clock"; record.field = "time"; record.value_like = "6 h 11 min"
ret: 9 h 50 min
